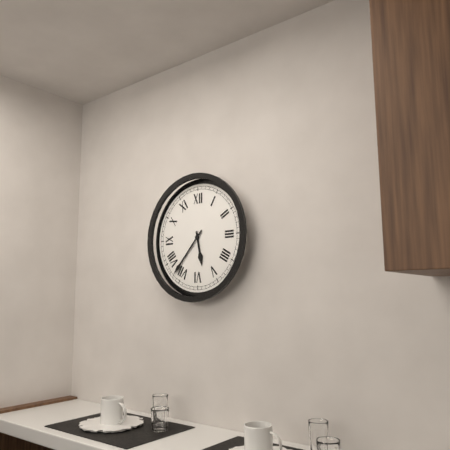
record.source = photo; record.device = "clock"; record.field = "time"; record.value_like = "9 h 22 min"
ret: 5 h 37 min
